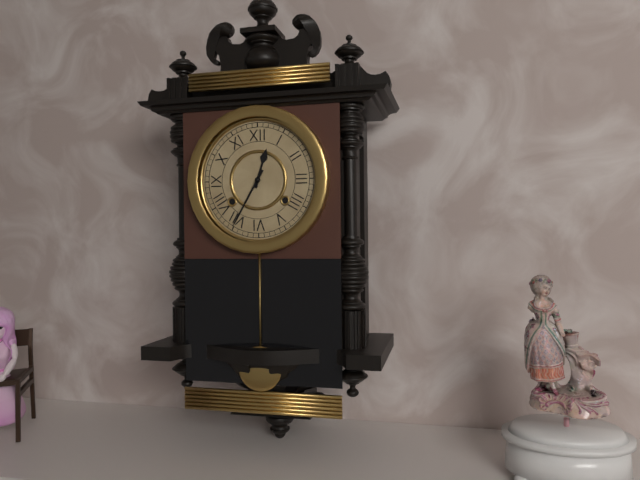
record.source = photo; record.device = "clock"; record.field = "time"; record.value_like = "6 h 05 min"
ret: 12 h 35 min
